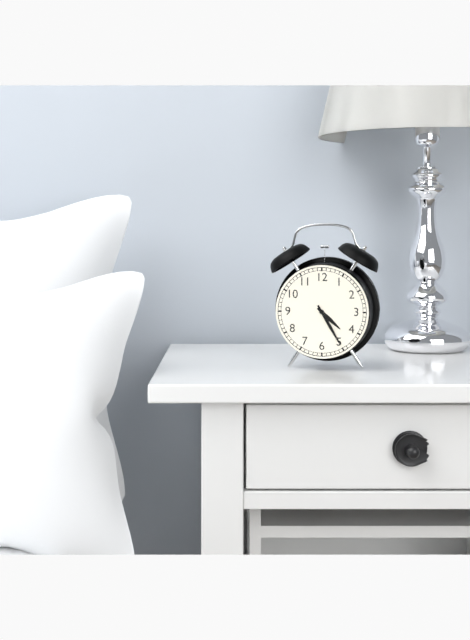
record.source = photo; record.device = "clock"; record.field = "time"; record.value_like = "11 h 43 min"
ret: 4 h 25 min
